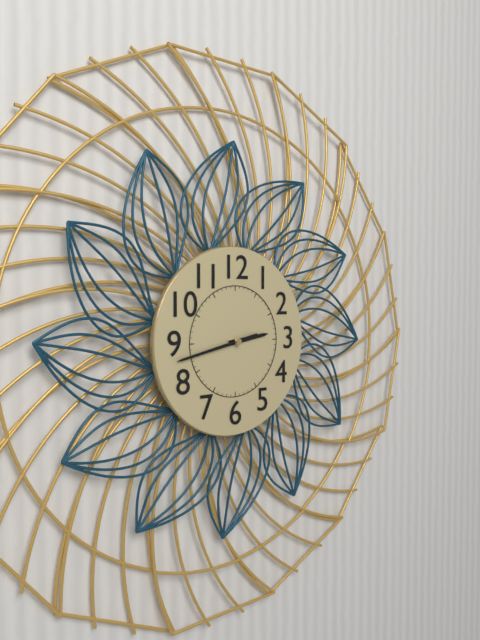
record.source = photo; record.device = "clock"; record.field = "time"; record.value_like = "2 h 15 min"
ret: 2 h 43 min
